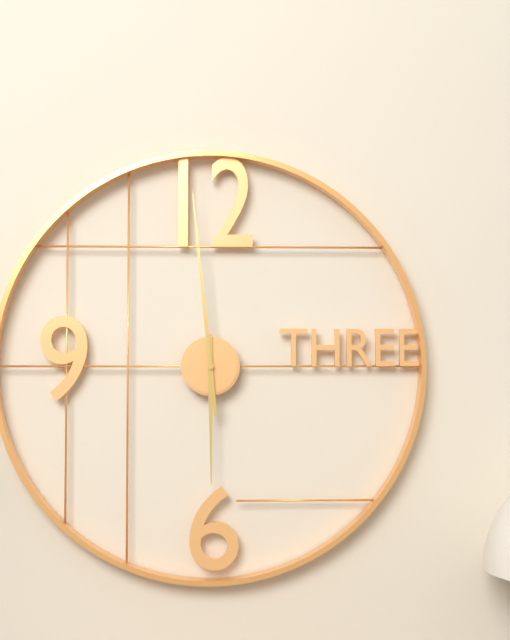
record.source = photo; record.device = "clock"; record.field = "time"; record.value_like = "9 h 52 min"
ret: 5 h 59 min
